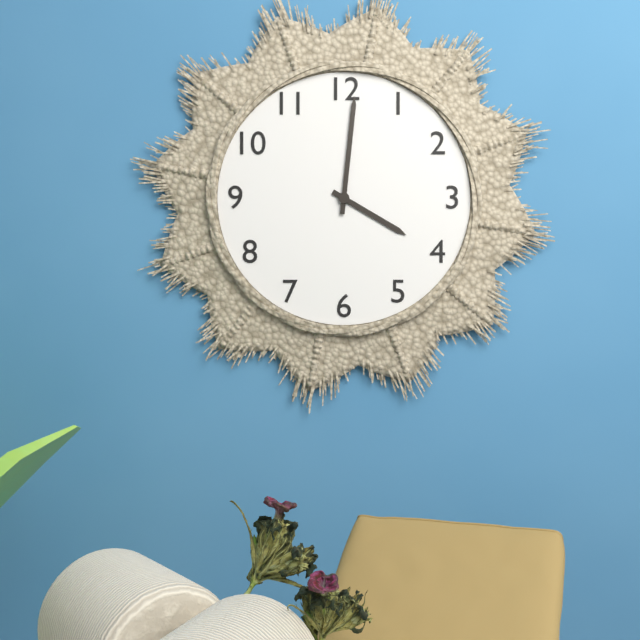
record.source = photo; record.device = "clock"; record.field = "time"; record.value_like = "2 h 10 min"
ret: 4 h 01 min
